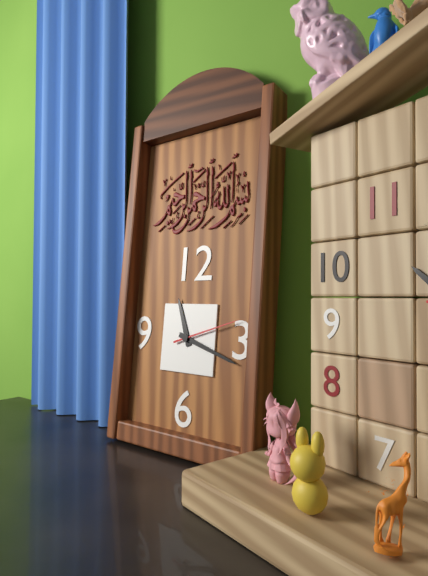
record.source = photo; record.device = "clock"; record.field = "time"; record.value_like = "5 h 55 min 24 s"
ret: 11 h 18 min 12 s
